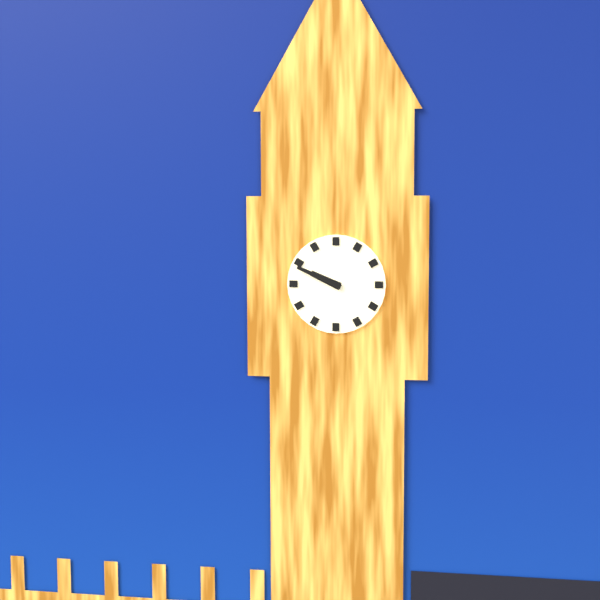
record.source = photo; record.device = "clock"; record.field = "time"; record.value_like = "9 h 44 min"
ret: 9 h 49 min
